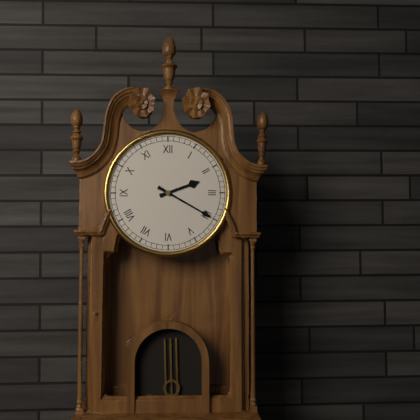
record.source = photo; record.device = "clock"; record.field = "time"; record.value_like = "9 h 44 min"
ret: 2 h 20 min
